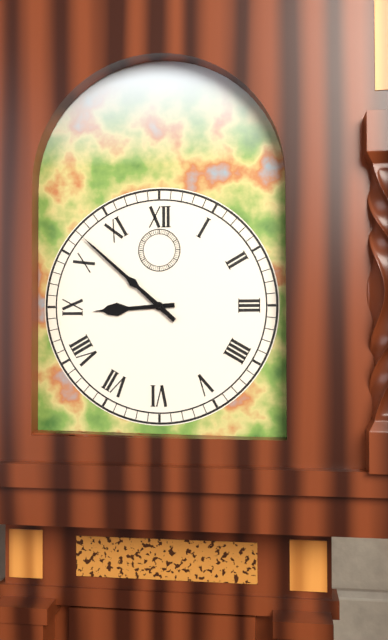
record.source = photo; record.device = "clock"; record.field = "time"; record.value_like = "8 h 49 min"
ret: 8 h 52 min
